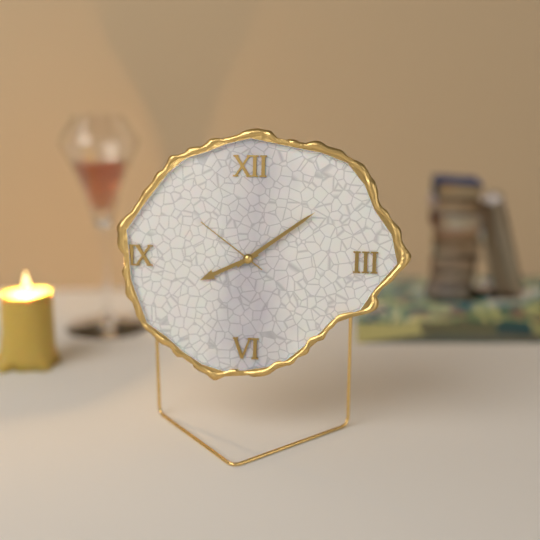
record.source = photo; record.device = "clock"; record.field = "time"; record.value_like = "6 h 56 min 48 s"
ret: 8 h 09 min 51 s
